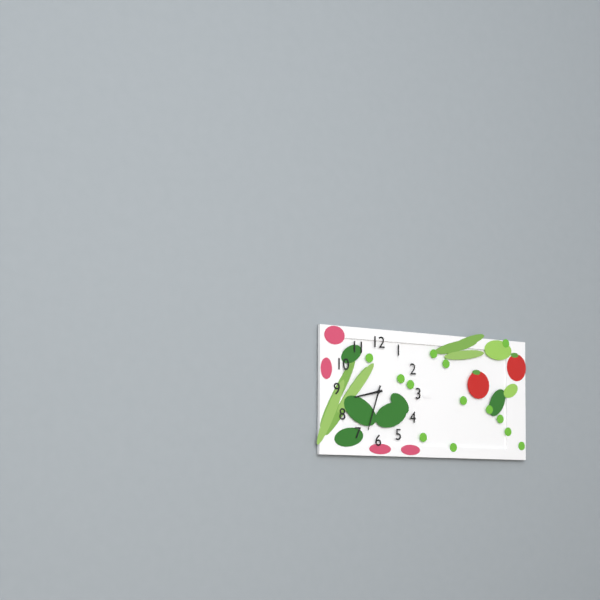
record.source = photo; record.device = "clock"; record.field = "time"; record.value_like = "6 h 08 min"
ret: 8 h 33 min
